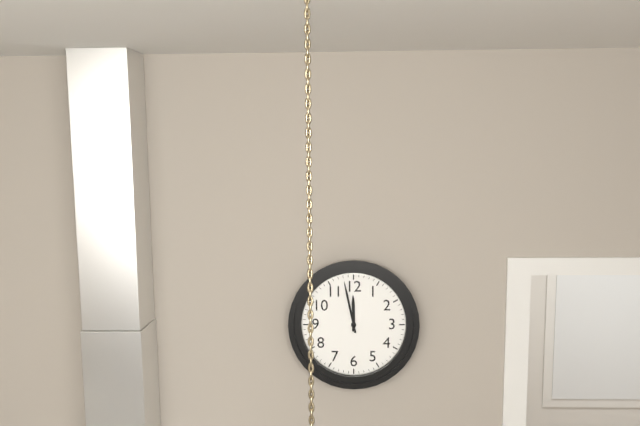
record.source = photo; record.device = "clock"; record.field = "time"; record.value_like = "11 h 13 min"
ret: 11 h 58 min
